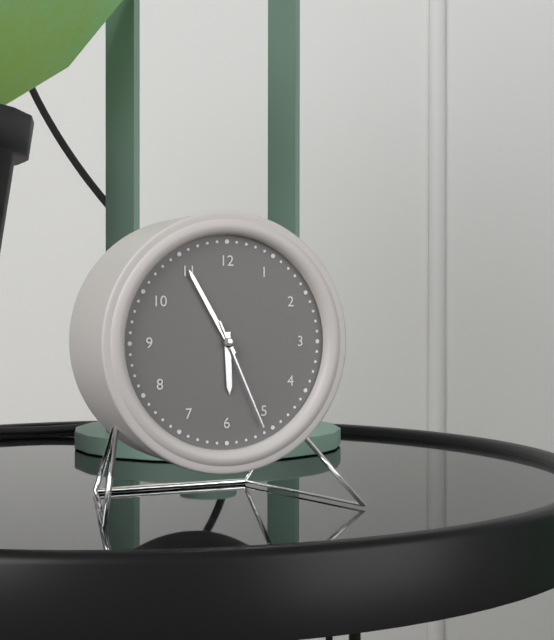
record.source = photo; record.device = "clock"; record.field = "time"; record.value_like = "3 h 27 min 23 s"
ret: 5 h 55 min 26 s
